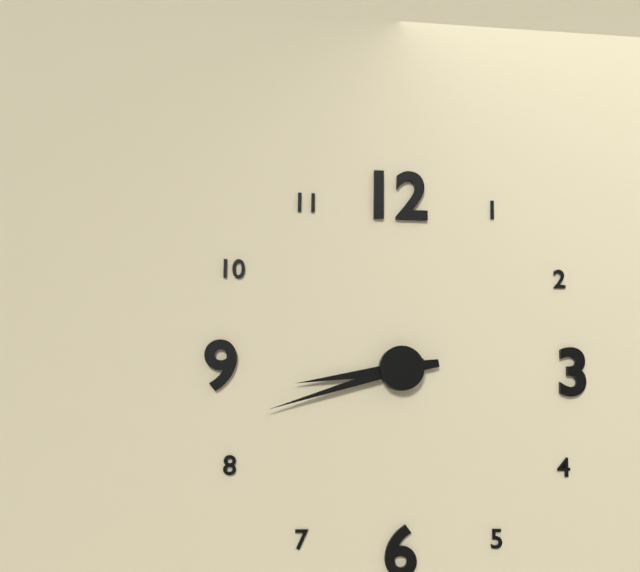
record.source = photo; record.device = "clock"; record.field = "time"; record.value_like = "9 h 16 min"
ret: 8 h 42 min
